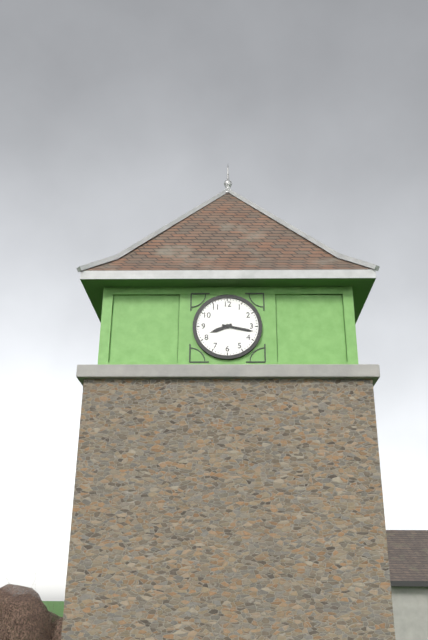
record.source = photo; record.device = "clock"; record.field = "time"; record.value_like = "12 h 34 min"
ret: 8 h 17 min
